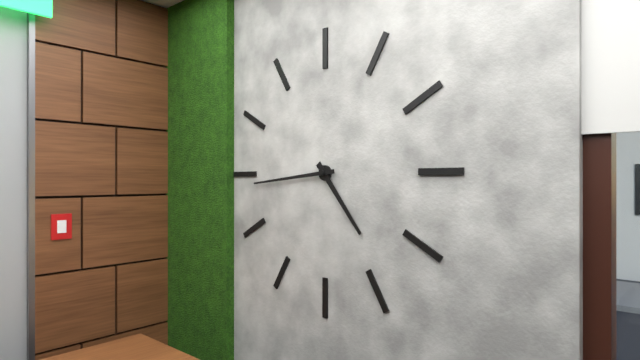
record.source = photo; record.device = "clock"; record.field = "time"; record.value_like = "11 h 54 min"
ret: 4 h 44 min
